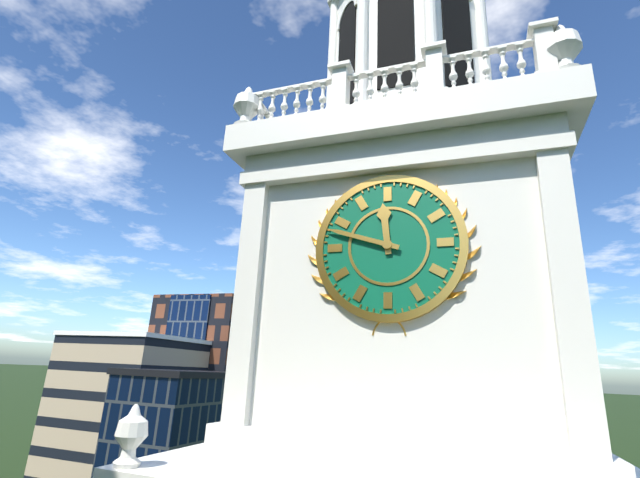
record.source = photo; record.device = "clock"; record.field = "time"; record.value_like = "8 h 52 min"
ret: 11 h 48 min
